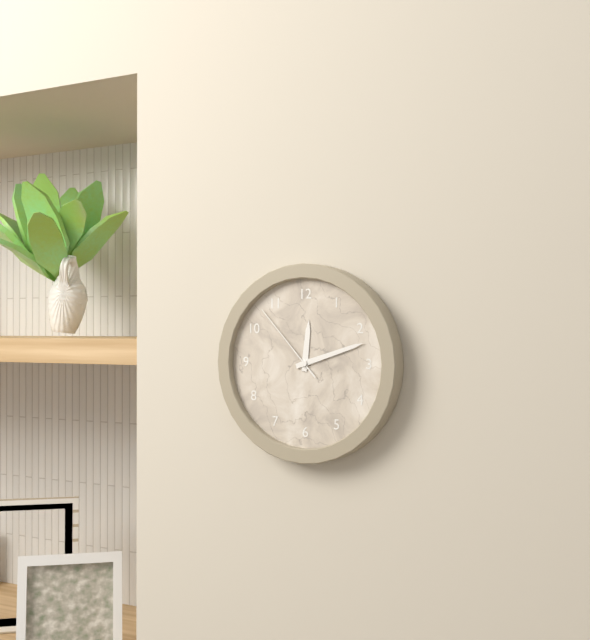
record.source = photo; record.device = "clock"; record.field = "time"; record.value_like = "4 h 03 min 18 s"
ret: 12 h 12 min 53 s
